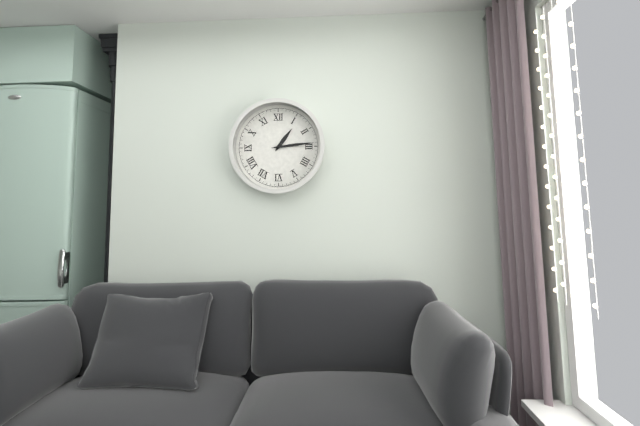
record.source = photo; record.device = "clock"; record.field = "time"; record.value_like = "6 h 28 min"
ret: 1 h 14 min
